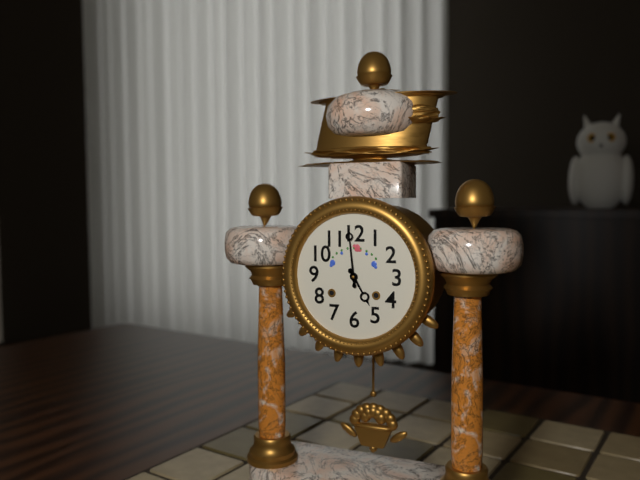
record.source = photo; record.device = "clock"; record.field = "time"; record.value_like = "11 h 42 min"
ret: 4 h 59 min
